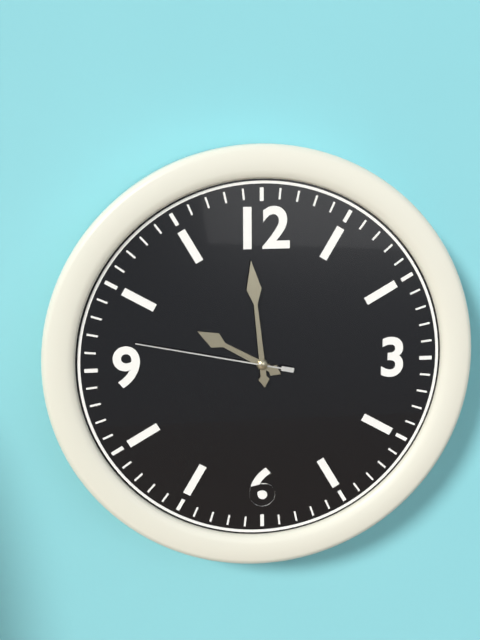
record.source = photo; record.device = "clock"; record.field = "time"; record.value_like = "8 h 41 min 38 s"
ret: 9 h 59 min 47 s
